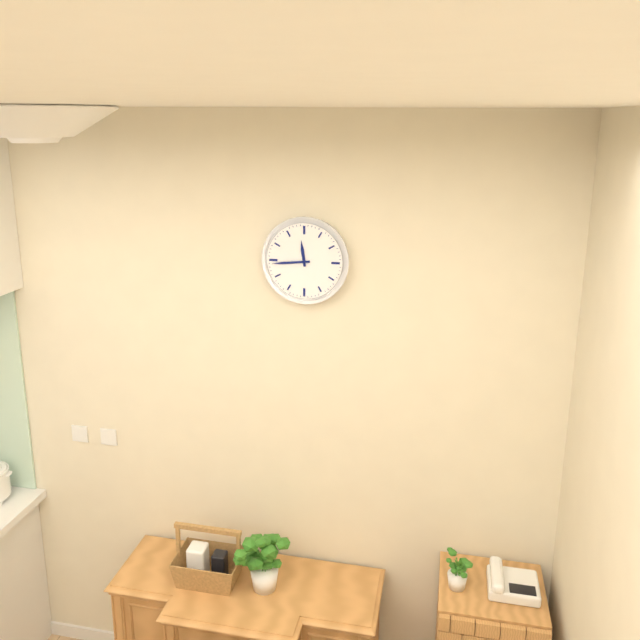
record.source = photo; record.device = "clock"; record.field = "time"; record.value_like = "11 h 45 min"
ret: 11 h 44 min
